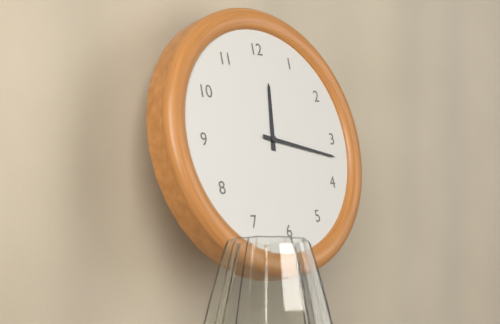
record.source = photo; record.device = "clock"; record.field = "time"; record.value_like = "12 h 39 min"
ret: 12 h 17 min
